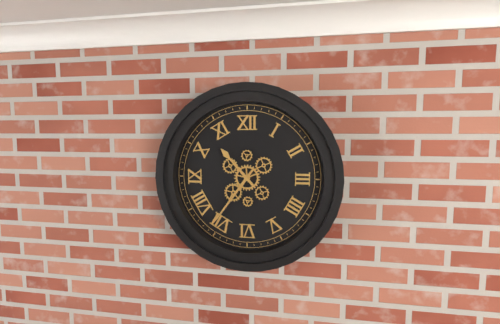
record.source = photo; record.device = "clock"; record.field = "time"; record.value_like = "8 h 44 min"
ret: 10 h 36 min
